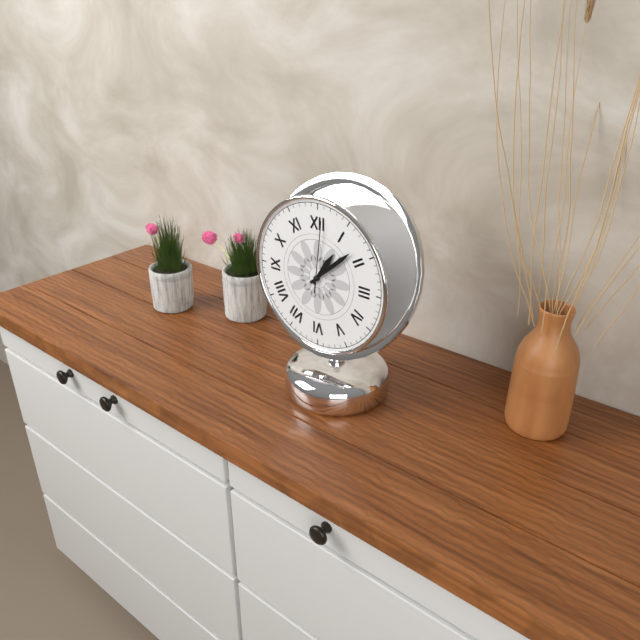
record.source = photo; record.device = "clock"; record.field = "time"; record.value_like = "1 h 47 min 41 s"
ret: 1 h 08 min 01 s
